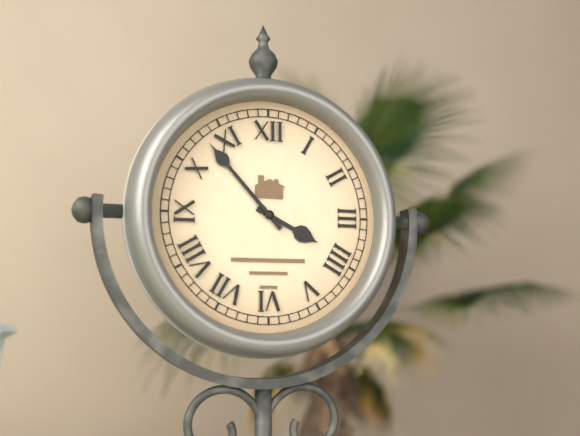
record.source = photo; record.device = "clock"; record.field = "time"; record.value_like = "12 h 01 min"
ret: 3 h 53 min
